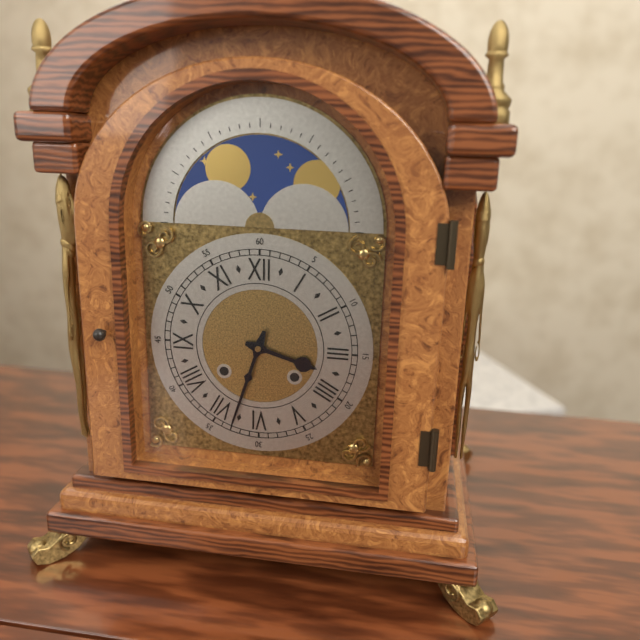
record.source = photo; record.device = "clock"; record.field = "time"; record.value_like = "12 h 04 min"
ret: 3 h 33 min
